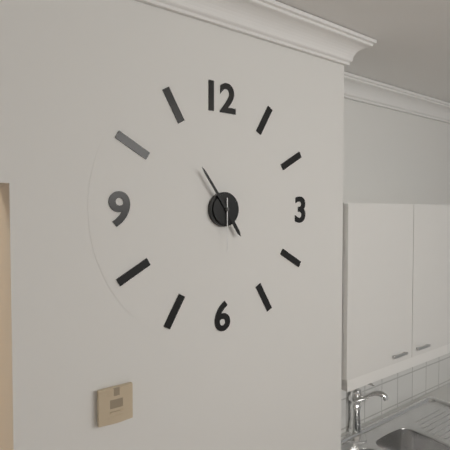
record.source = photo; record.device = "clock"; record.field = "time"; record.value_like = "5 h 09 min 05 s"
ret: 4 h 54 min 30 s
